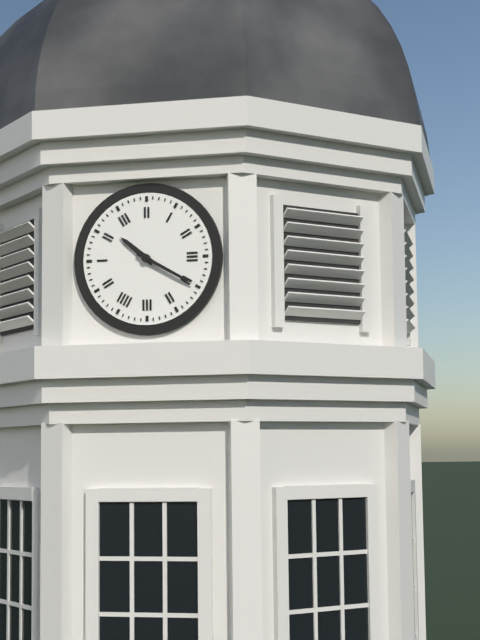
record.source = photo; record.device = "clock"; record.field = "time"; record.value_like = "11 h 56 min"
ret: 10 h 20 min
